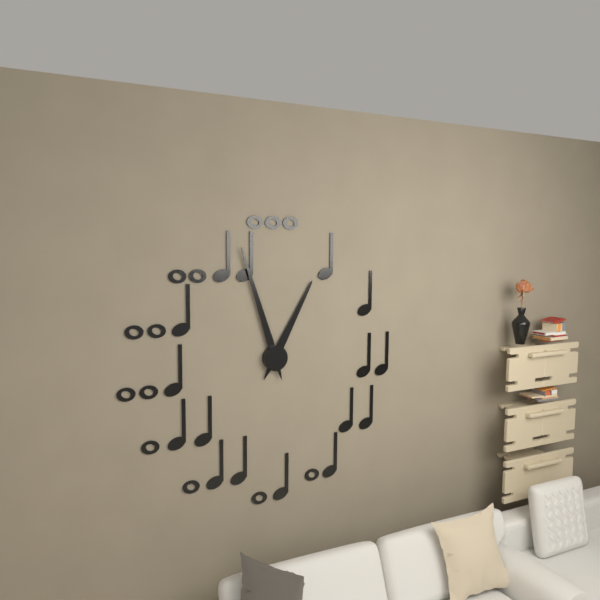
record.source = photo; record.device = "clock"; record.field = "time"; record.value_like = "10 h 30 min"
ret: 12 h 57 min
